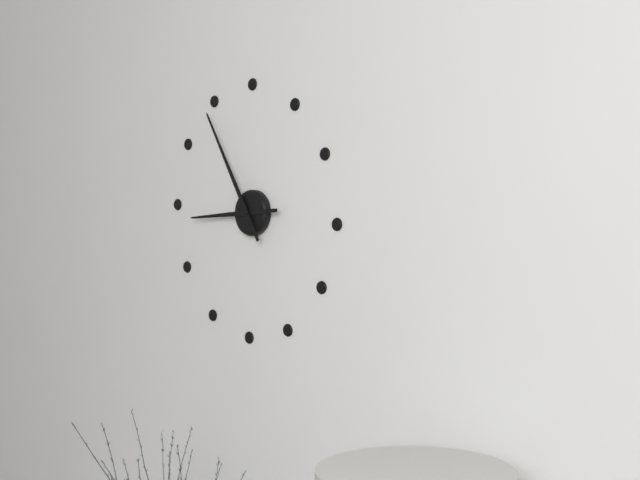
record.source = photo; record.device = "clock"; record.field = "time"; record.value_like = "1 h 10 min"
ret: 8 h 55 min
